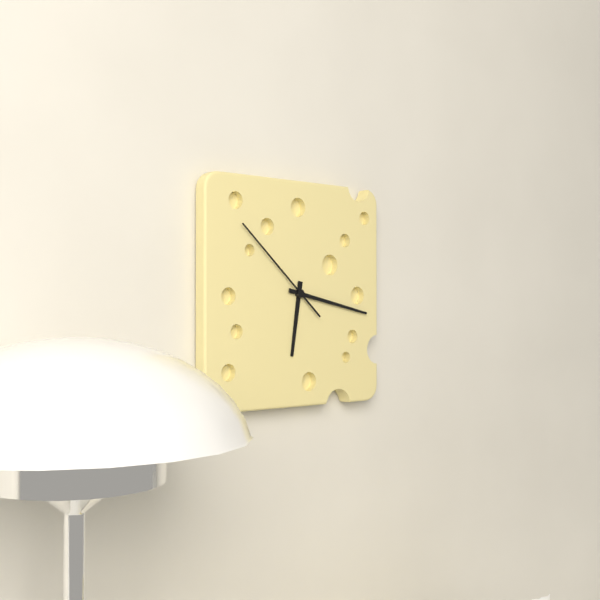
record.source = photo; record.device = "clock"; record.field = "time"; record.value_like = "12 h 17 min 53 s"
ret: 6 h 17 min 52 s
